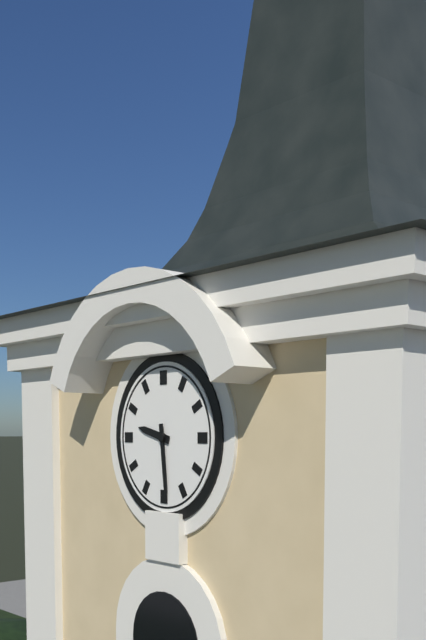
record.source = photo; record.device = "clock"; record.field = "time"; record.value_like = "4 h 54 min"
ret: 9 h 29 min
